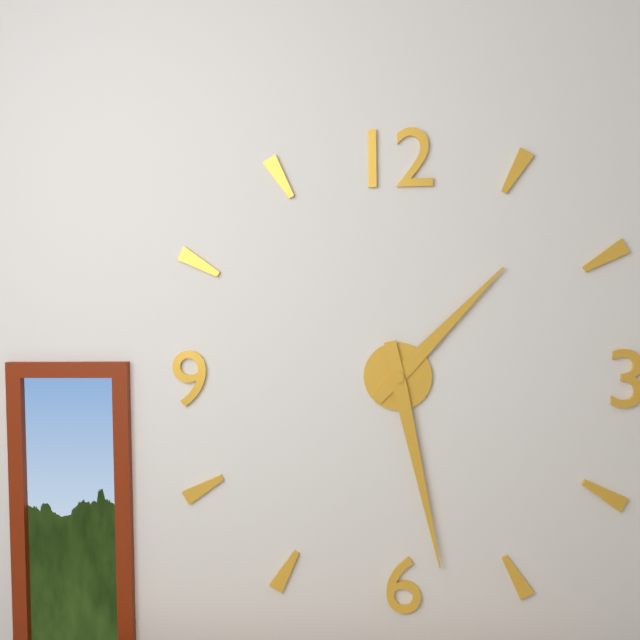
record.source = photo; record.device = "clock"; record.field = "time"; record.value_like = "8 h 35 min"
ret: 1 h 28 min
